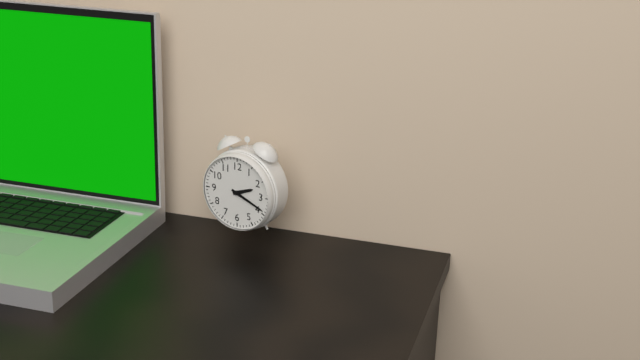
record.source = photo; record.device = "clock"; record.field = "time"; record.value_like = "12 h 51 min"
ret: 2 h 19 min
